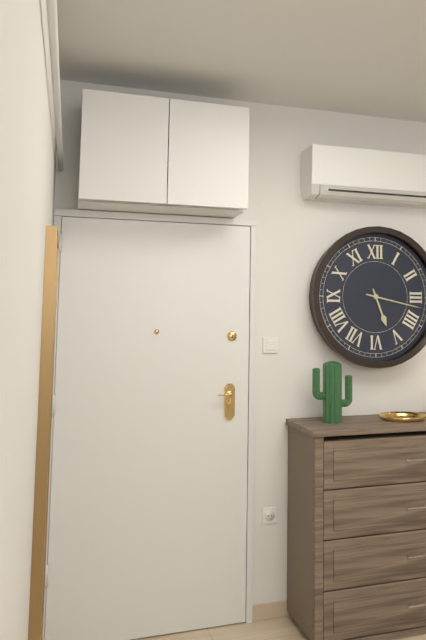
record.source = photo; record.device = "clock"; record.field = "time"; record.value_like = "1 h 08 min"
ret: 5 h 17 min
